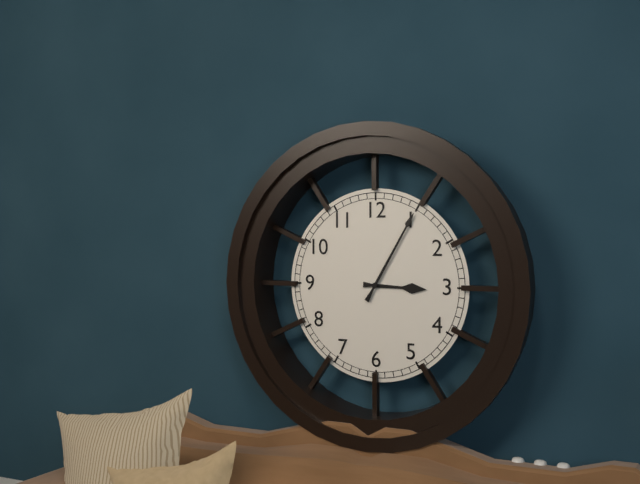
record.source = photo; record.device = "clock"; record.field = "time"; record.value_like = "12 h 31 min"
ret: 3 h 05 min
